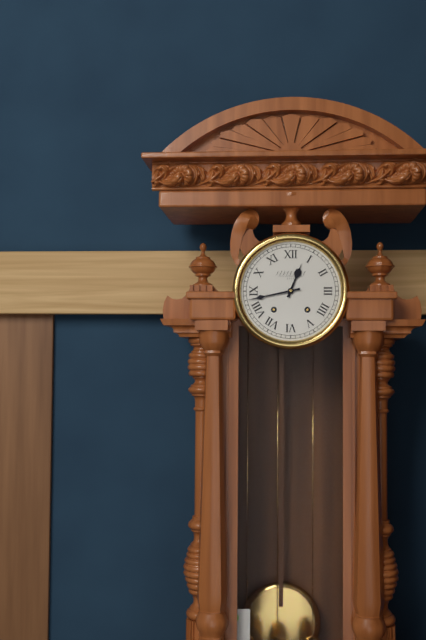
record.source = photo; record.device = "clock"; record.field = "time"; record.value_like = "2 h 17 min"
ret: 12 h 43 min
